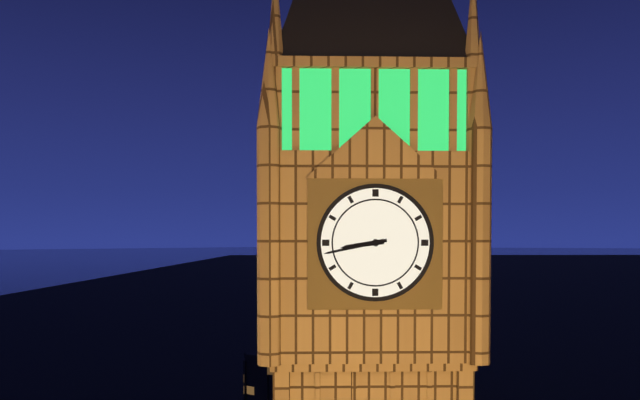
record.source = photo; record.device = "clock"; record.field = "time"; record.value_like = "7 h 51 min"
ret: 8 h 43 min
